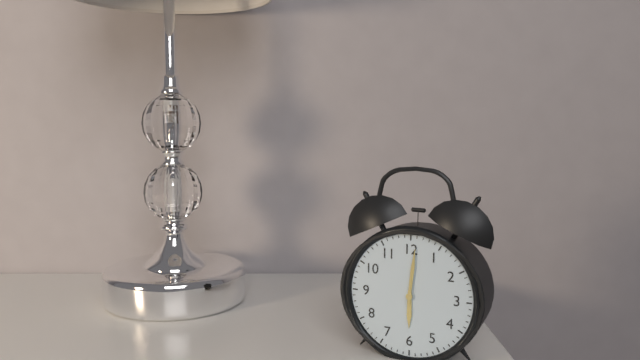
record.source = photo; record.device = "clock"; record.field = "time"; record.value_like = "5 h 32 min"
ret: 6 h 01 min
